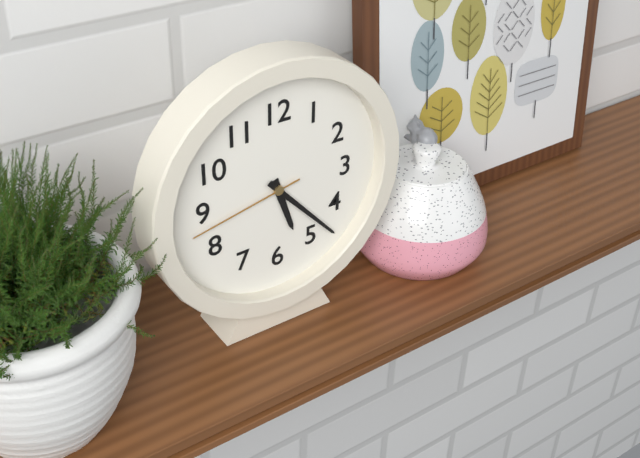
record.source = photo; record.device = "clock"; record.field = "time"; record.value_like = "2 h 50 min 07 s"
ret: 5 h 23 min 43 s
